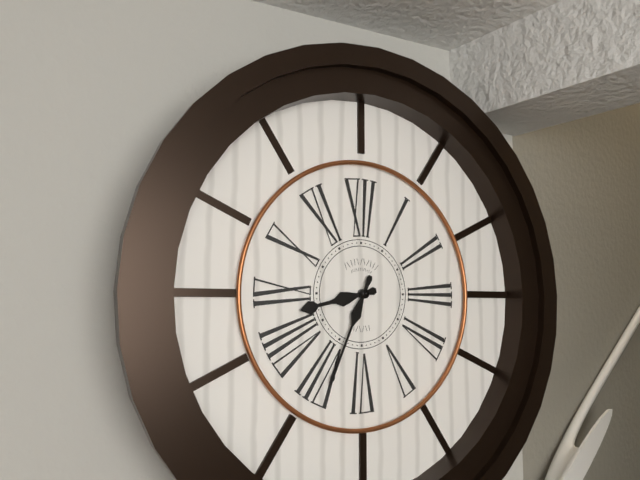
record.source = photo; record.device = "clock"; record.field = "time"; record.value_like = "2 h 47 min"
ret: 8 h 34 min
